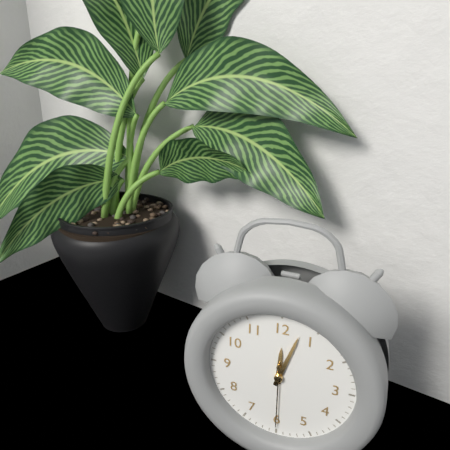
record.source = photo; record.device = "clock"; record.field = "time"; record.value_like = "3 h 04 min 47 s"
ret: 12 h 03 min 30 s
